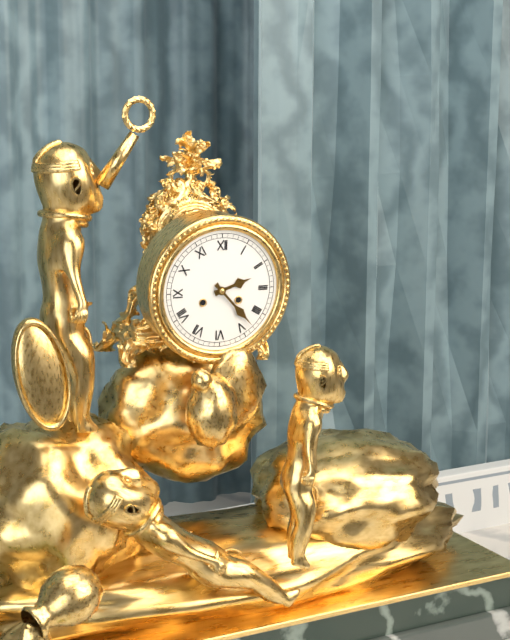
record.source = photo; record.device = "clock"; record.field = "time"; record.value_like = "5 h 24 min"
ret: 2 h 23 min
